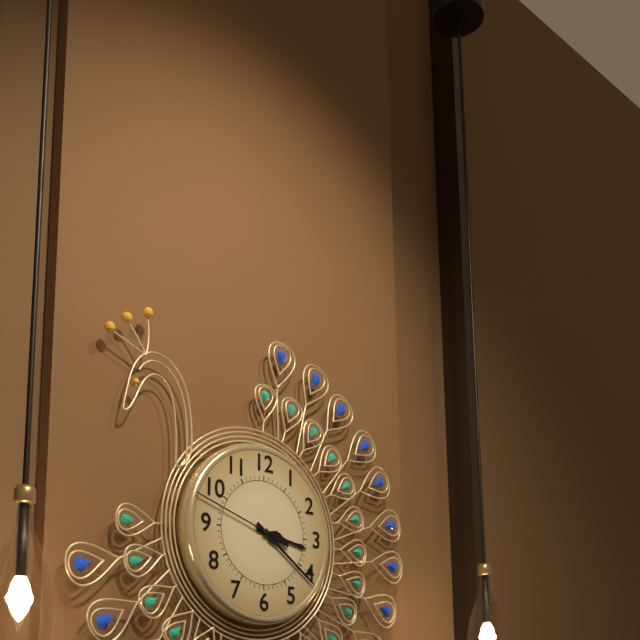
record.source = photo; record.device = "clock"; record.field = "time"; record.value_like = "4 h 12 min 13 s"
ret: 3 h 21 min 48 s
